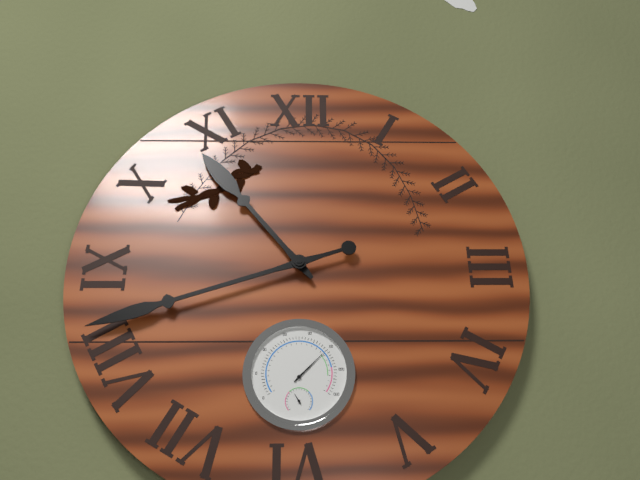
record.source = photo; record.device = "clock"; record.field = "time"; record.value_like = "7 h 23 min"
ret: 10 h 42 min
